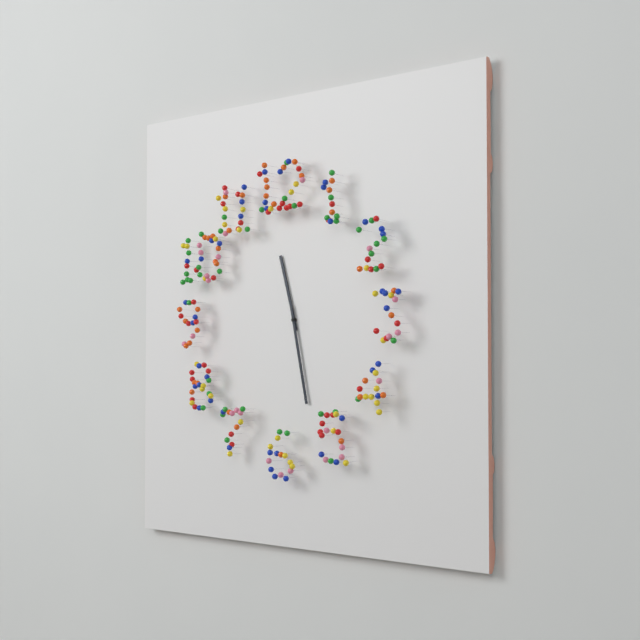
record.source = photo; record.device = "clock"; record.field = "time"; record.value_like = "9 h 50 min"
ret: 11 h 28 min
